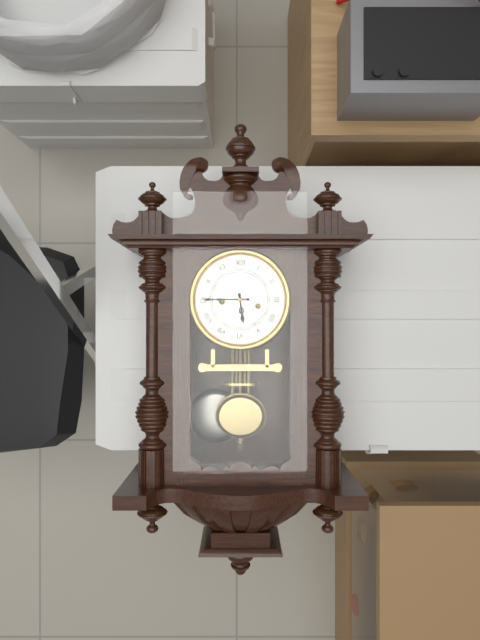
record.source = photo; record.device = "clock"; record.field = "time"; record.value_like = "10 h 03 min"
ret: 5 h 45 min
